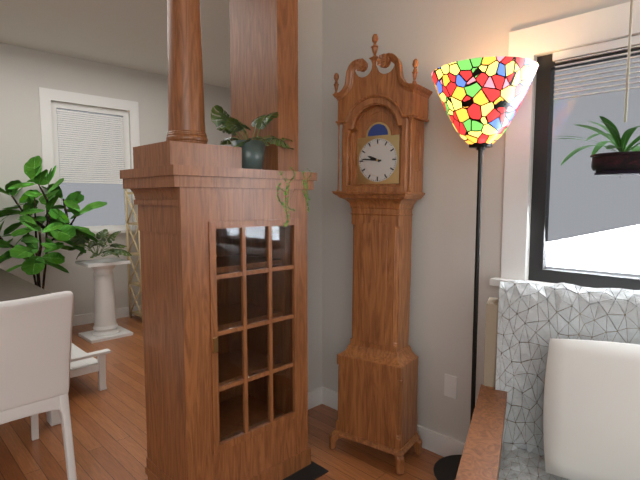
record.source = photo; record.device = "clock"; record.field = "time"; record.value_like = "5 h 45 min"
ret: 9 h 46 min
